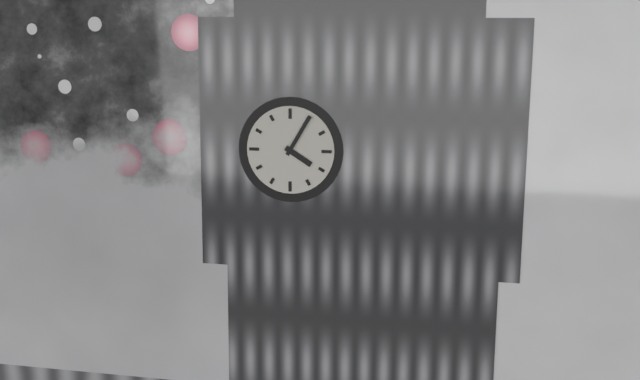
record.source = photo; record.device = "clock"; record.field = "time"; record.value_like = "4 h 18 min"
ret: 4 h 05 min
